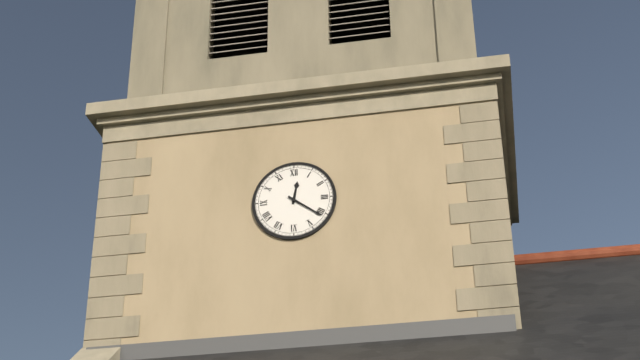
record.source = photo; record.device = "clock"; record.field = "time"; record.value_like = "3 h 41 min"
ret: 12 h 21 min
